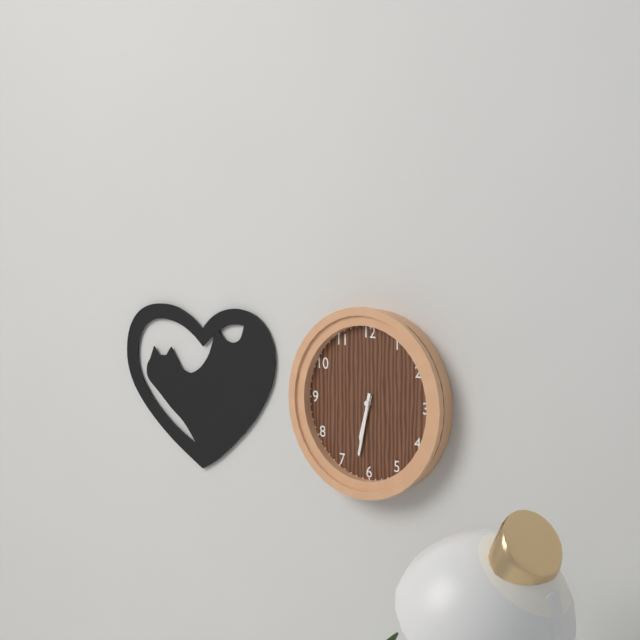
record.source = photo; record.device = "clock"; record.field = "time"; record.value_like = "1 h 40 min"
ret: 6 h 32 min
